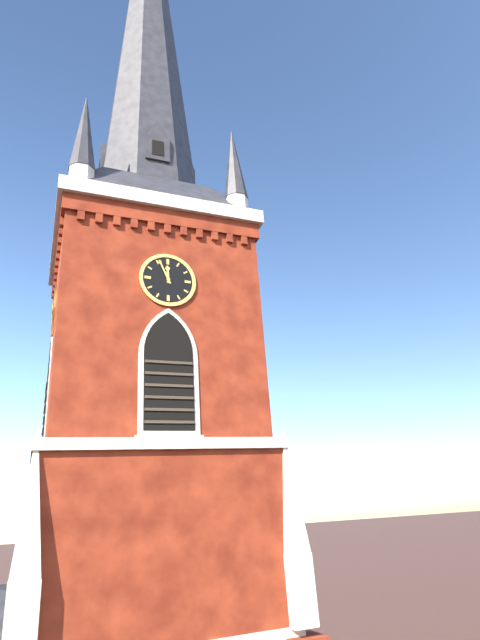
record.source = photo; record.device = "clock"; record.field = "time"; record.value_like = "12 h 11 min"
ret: 11 h 56 min
